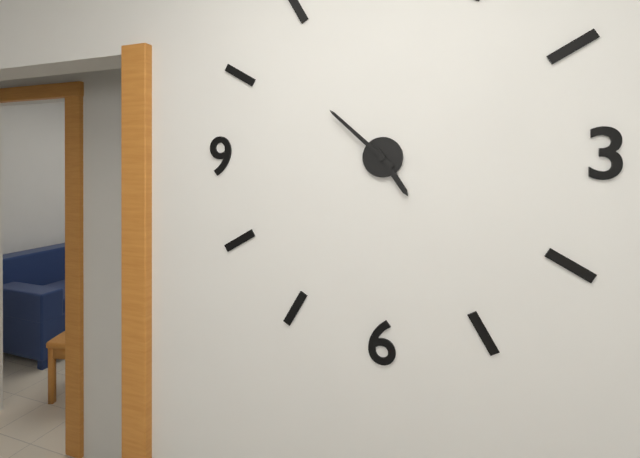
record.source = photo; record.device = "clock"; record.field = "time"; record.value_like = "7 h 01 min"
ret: 4 h 52 min
